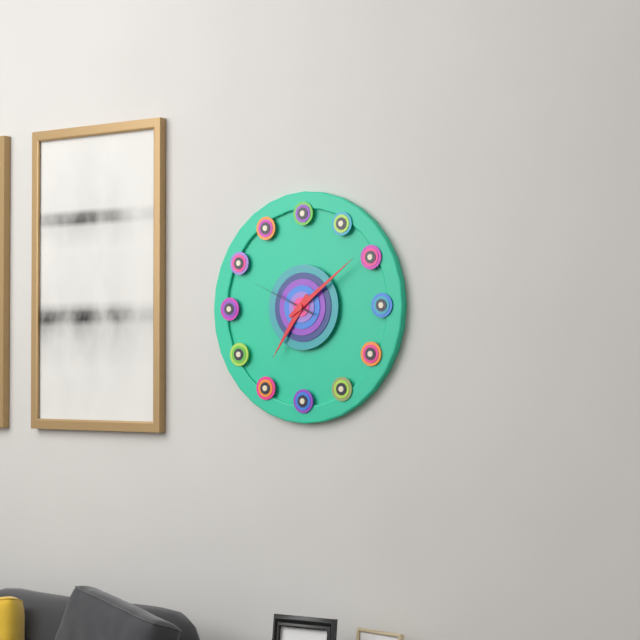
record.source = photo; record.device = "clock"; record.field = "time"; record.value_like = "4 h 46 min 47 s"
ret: 7 h 09 min 49 s
